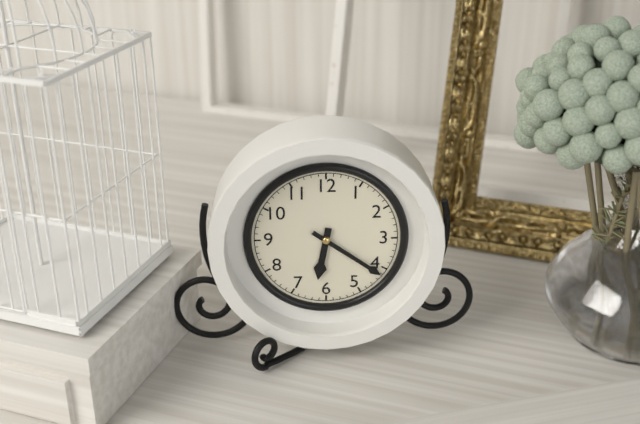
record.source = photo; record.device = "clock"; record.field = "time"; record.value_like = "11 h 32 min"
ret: 6 h 21 min
